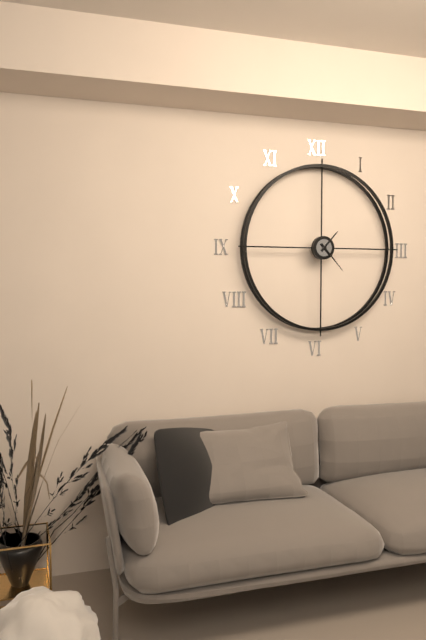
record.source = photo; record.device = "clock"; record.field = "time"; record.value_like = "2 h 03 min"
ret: 1 h 23 min
